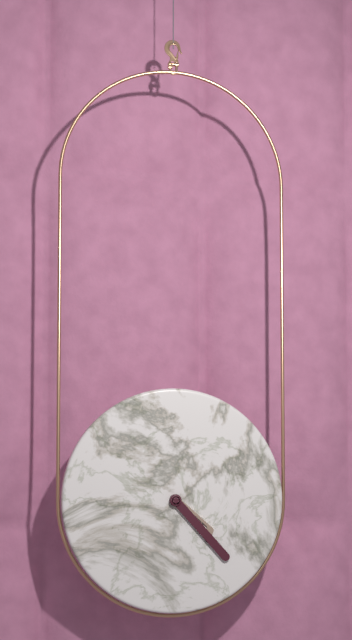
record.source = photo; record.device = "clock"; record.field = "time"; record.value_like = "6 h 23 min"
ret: 4 h 23 min
